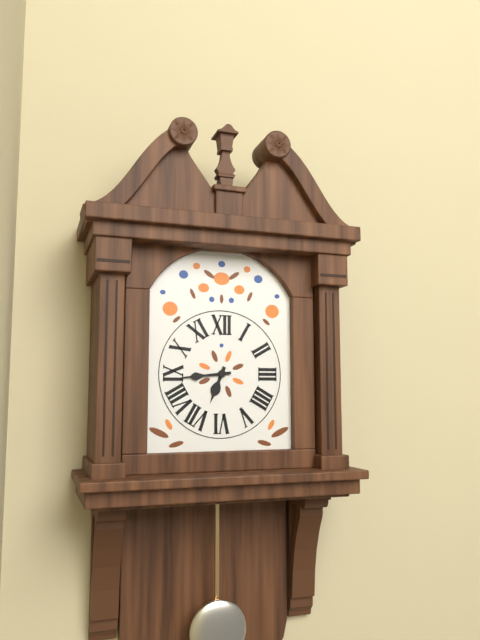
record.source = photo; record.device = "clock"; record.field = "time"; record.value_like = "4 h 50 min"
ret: 6 h 44 min
